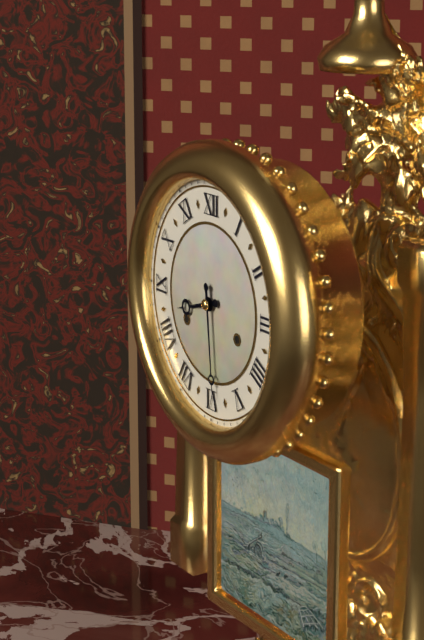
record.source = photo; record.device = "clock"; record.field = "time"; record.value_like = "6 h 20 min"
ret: 8 h 29 min
